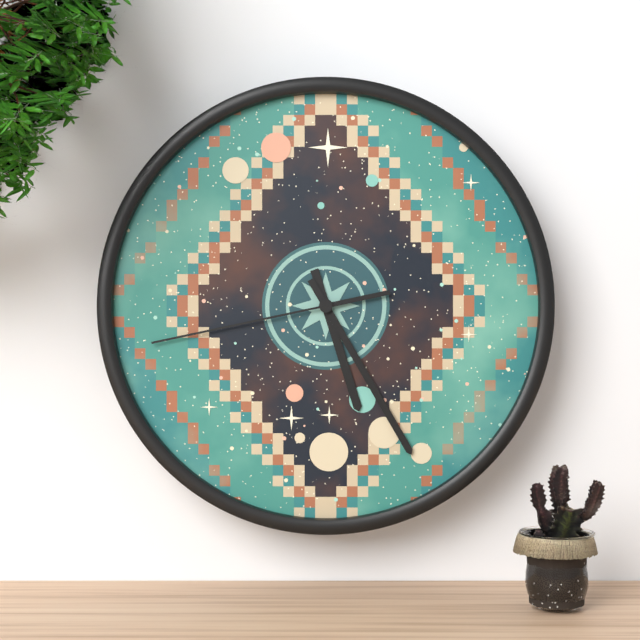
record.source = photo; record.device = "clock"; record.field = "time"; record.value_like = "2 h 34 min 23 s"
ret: 5 h 25 min 43 s
